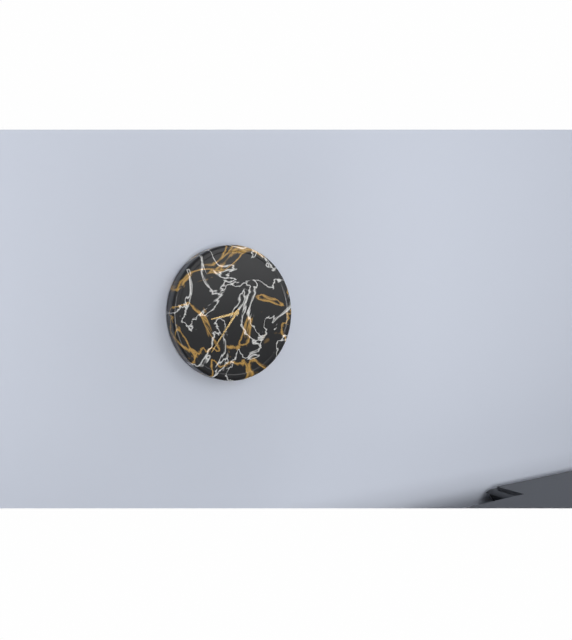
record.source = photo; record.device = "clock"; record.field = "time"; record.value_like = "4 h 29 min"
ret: 8 h 36 min
